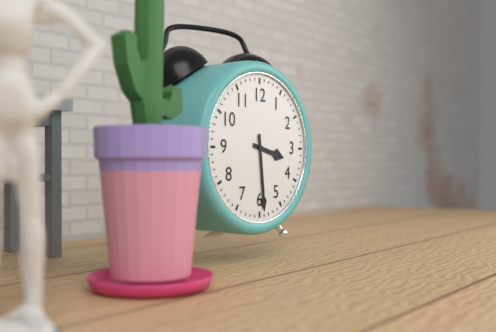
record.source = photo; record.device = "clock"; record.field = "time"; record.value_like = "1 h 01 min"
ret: 3 h 29 min
